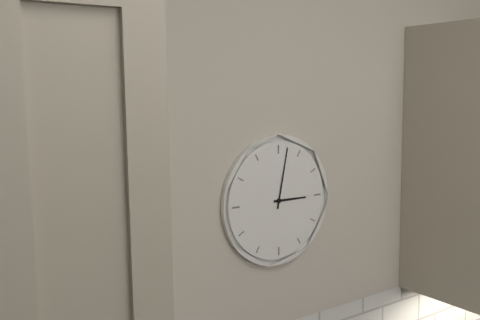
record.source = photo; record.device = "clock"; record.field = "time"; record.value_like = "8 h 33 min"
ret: 3 h 02 min
